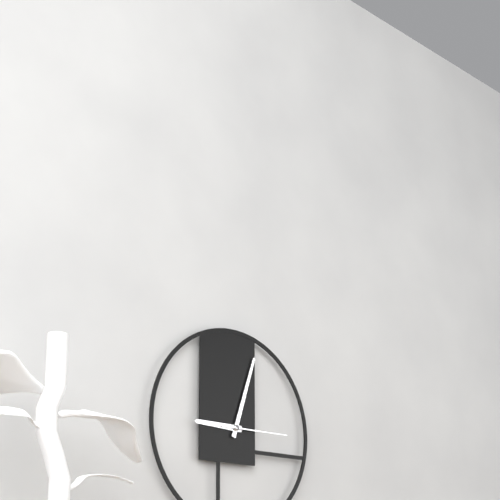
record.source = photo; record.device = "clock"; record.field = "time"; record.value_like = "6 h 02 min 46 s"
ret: 9 h 03 min 15 s
